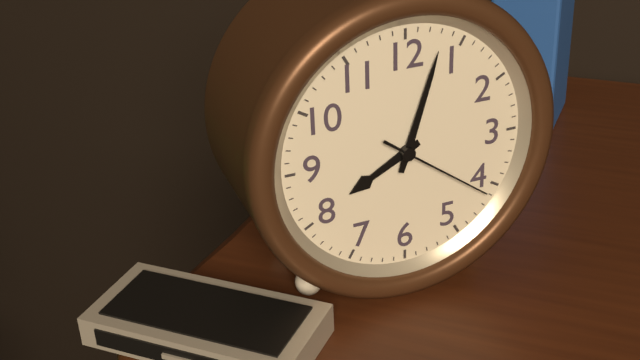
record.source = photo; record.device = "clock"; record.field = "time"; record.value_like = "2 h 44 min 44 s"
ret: 8 h 03 min 21 s
